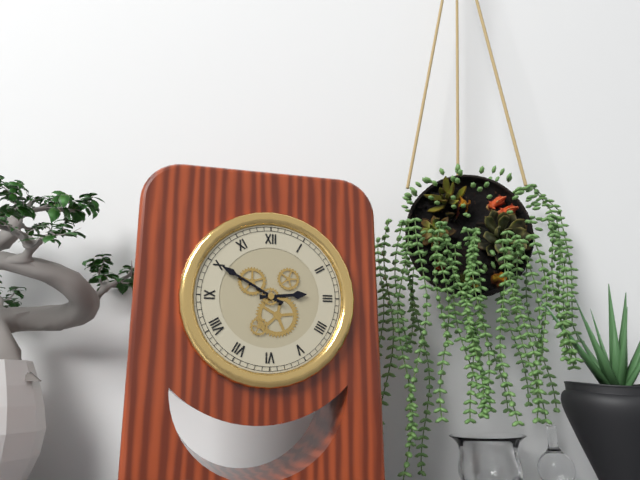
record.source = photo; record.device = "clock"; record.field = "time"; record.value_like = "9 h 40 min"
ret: 2 h 50 min
